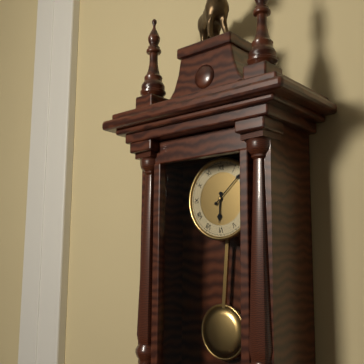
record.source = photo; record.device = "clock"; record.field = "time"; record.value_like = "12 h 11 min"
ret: 6 h 08 min
